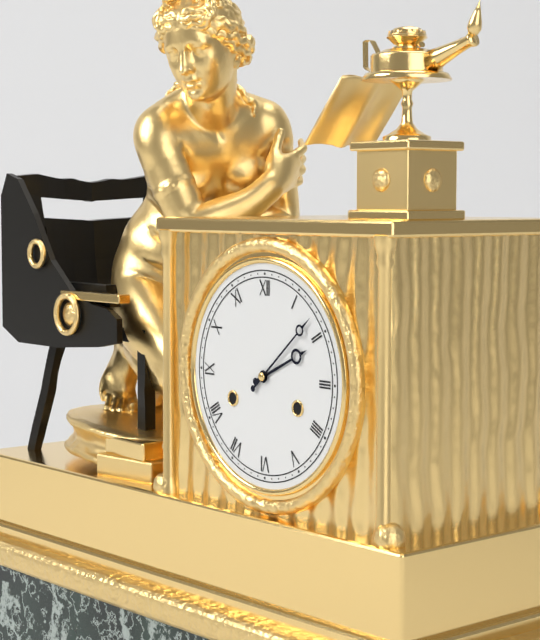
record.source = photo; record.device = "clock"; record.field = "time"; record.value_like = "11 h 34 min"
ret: 2 h 08 min
